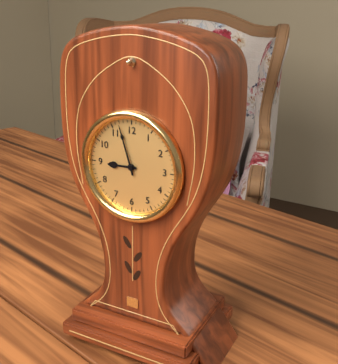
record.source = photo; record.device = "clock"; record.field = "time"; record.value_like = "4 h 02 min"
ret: 8 h 57 min
